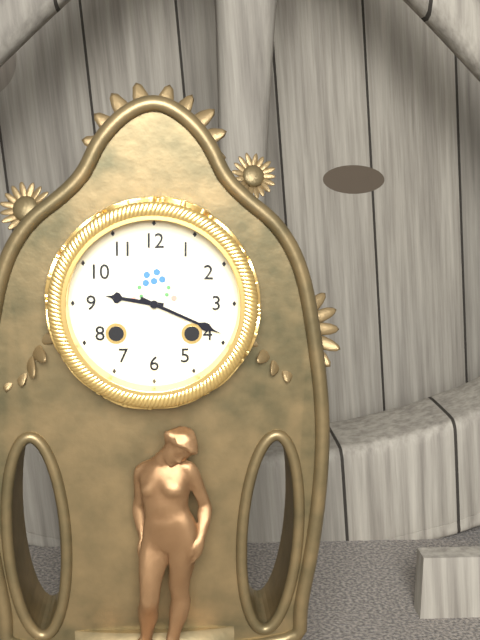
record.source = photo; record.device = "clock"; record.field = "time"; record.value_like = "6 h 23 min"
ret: 9 h 19 min
